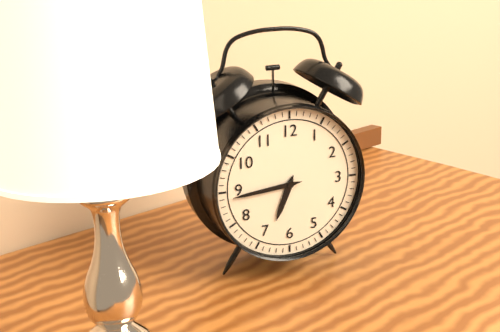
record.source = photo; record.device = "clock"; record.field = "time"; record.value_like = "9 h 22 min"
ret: 6 h 44 min
